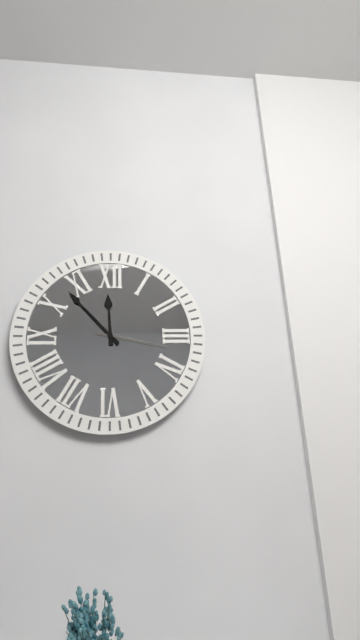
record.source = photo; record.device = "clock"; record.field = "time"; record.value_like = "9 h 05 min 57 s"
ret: 11 h 53 min 17 s
